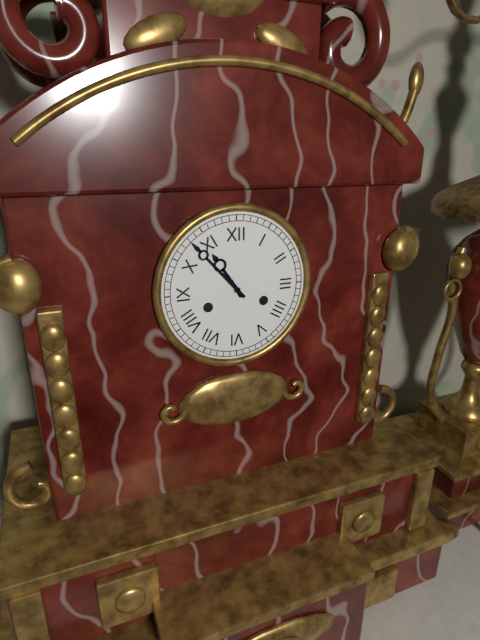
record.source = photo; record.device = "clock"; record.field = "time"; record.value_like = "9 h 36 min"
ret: 10 h 53 min
